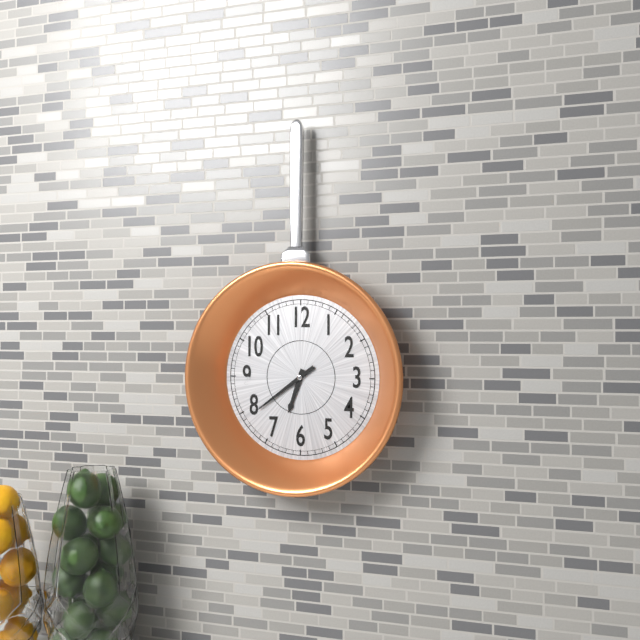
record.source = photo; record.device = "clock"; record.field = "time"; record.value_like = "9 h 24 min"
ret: 6 h 39 min
